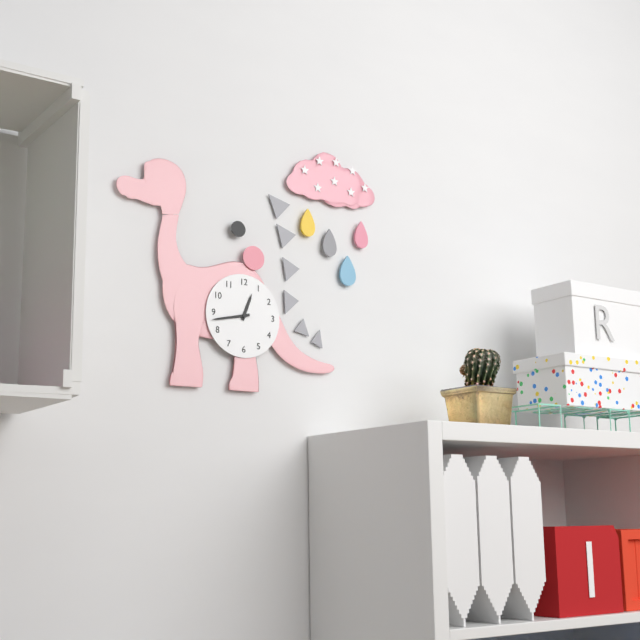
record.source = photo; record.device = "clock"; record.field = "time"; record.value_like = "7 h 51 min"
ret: 12 h 43 min
